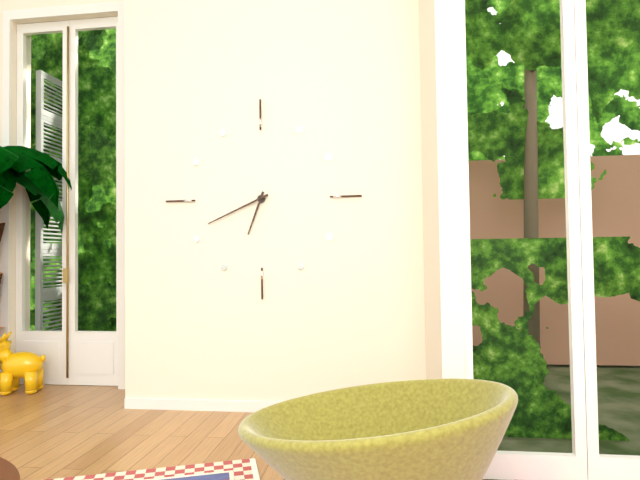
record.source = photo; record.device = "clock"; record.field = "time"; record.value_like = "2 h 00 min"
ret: 6 h 41 min
